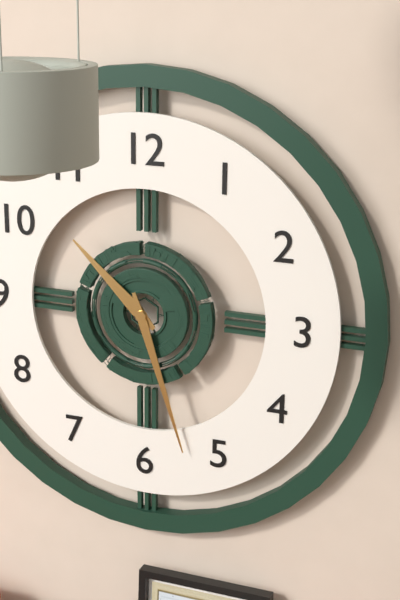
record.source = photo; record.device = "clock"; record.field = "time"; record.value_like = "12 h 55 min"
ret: 10 h 27 min
